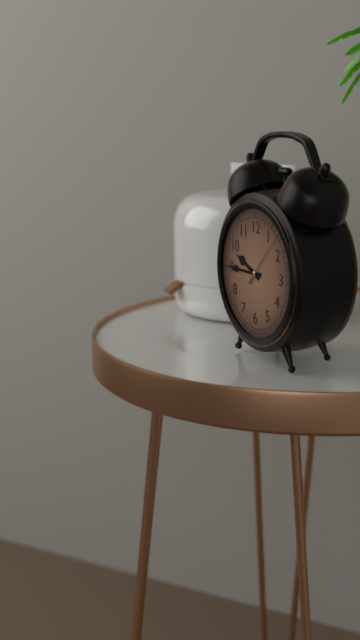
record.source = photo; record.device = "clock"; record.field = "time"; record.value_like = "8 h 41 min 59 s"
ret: 9 h 45 min 07 s
